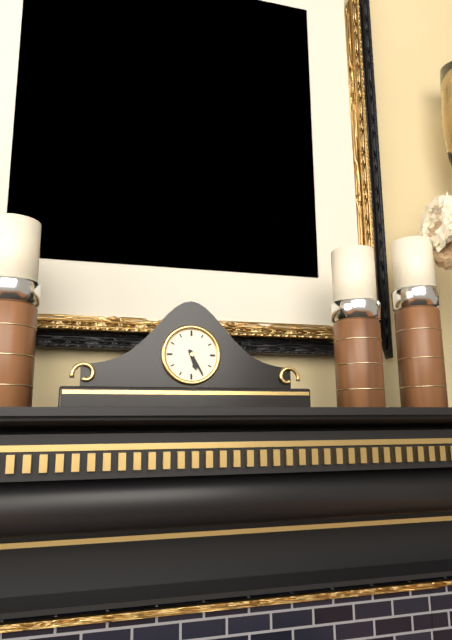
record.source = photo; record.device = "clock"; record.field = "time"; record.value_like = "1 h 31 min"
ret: 5 h 25 min
